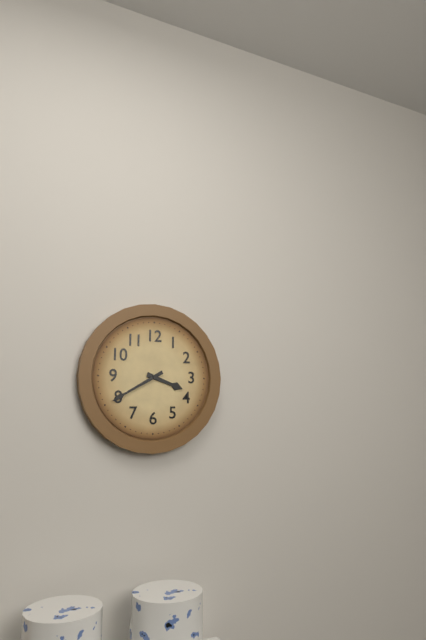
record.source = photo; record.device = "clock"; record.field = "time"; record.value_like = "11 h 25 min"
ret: 3 h 40 min
